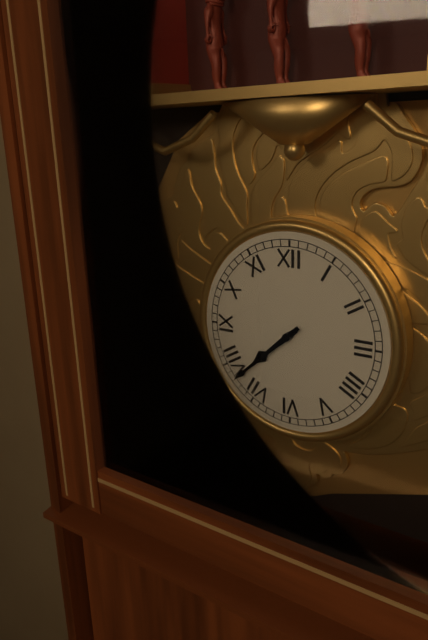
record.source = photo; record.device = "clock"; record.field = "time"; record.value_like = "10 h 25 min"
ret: 7 h 38 min
